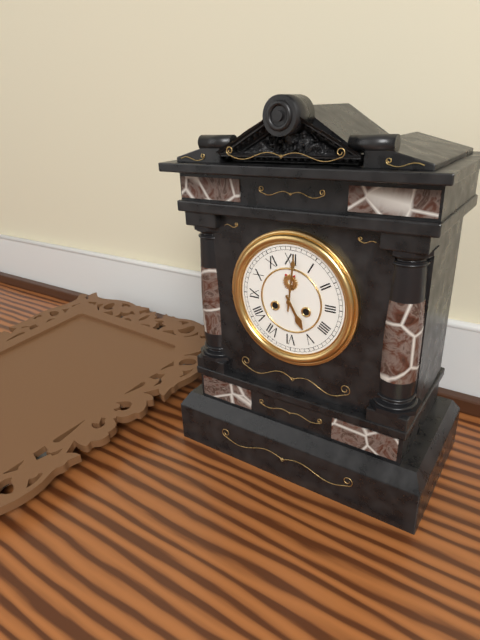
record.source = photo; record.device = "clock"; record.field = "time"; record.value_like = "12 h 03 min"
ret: 5 h 01 min
